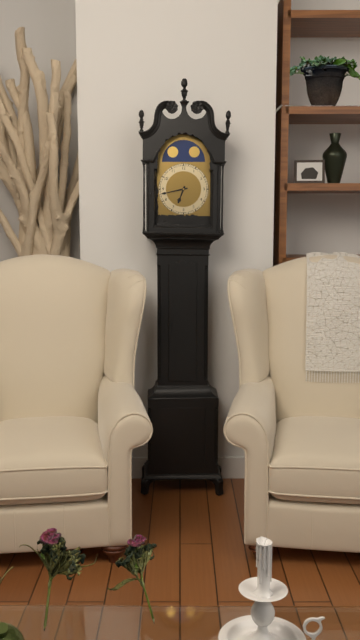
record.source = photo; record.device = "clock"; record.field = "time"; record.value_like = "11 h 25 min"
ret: 6 h 43 min
